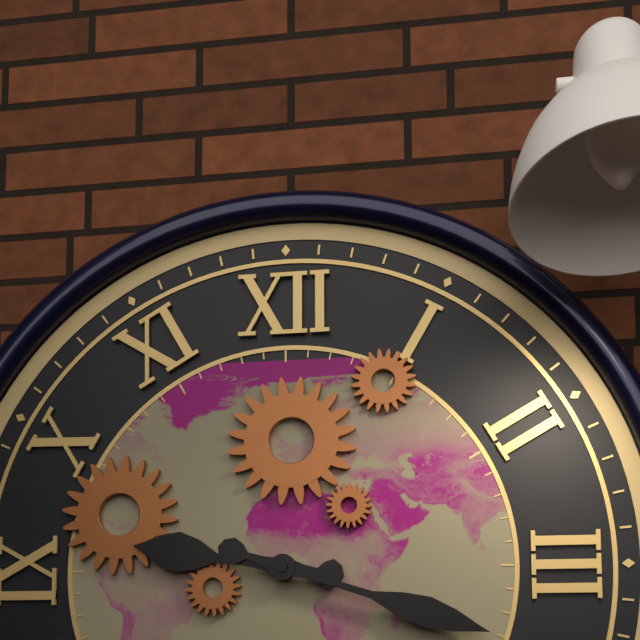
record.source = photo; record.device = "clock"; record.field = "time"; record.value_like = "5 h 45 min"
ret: 9 h 18 min
